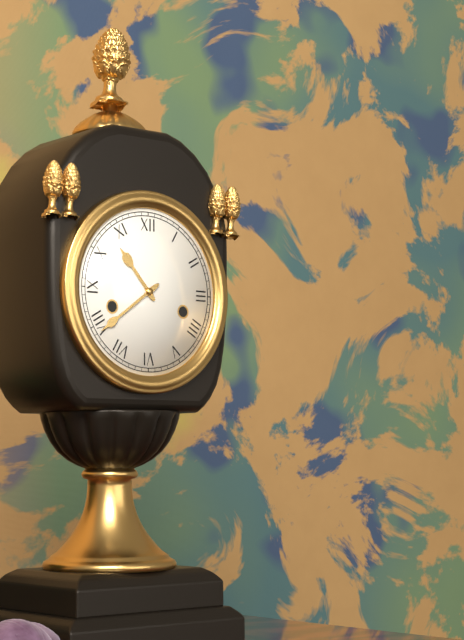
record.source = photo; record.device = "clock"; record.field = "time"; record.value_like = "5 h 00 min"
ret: 10 h 39 min
